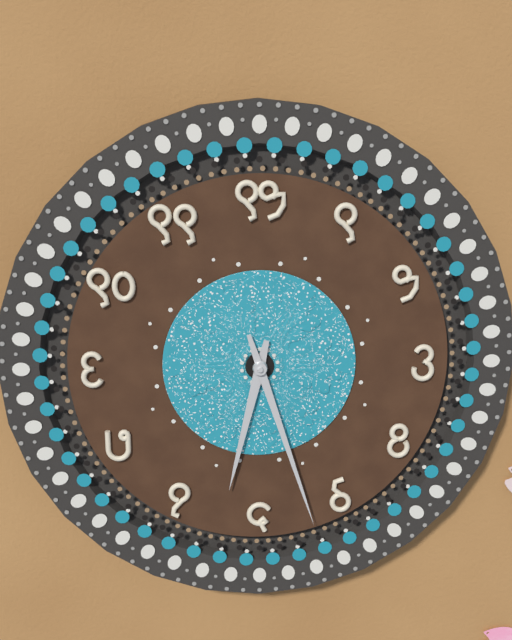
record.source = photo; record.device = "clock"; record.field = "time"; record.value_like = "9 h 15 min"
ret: 6 h 27 min
